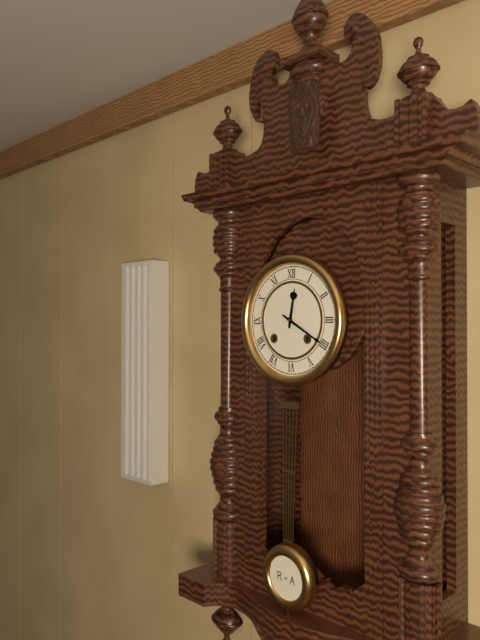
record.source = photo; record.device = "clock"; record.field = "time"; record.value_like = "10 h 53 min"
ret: 12 h 20 min
